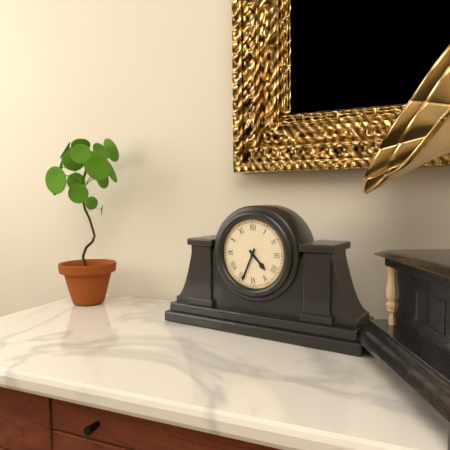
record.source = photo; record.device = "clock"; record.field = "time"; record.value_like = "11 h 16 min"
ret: 4 h 34 min
